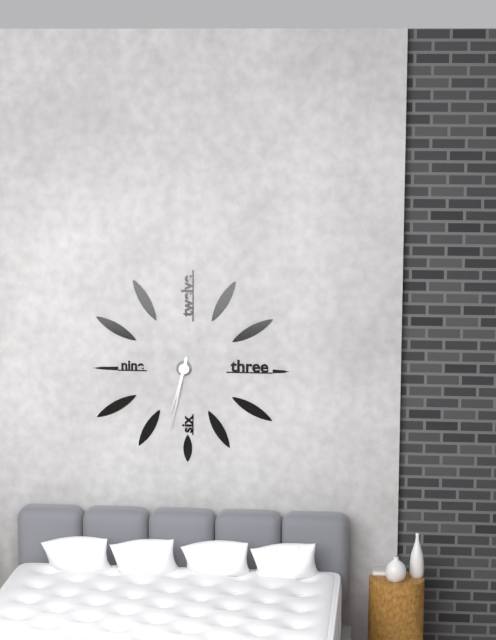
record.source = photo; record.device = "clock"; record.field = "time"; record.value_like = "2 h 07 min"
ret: 6 h 32 min
